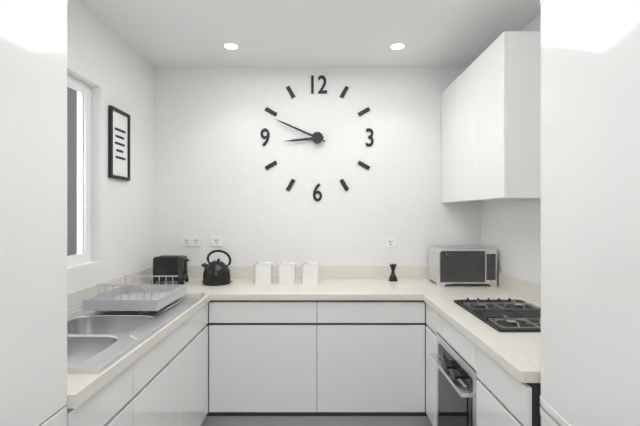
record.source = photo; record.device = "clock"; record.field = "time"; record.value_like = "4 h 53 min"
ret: 8 h 49 min
